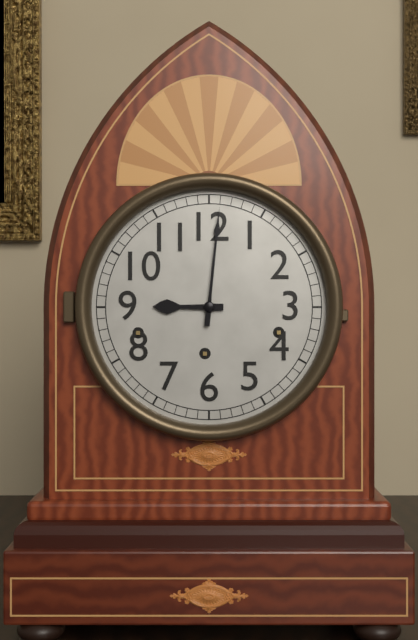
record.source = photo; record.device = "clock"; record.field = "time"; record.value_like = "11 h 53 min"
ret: 9 h 01 min
